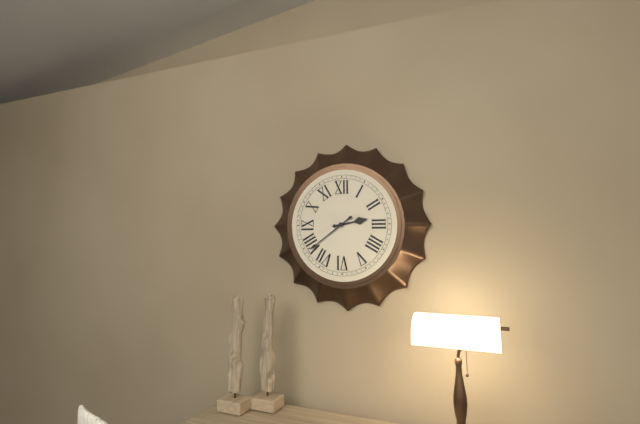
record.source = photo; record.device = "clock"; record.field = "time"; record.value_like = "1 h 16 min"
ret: 2 h 39 min
